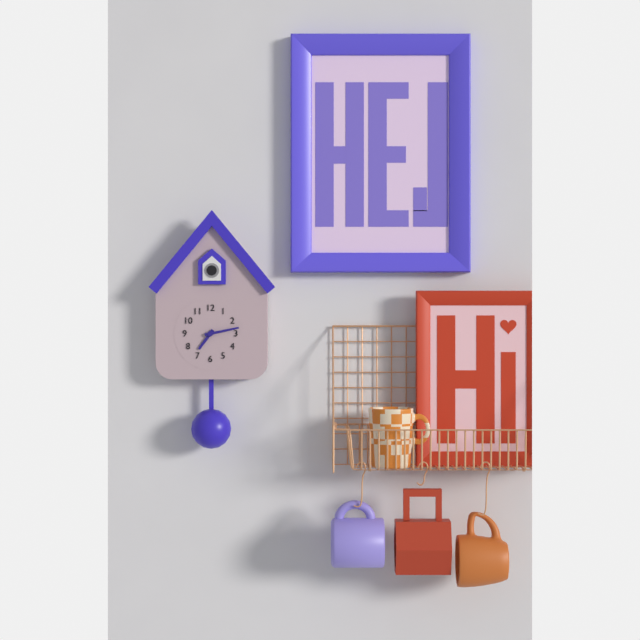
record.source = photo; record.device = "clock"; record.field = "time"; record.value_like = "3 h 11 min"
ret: 7 h 13 min
